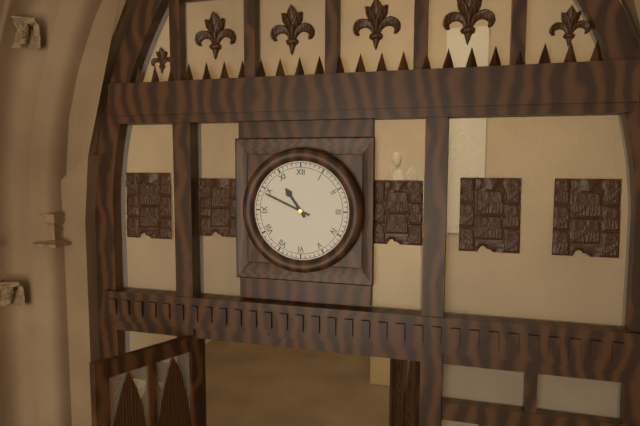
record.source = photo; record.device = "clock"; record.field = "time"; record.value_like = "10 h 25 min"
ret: 10 h 49 min
